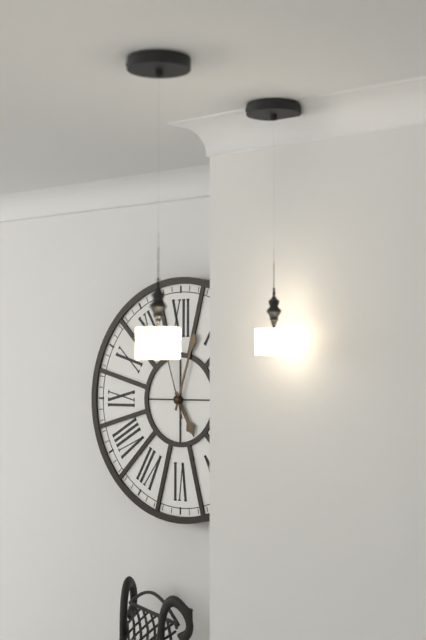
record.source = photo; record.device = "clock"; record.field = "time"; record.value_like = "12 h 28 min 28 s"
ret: 5 h 03 min 57 s
